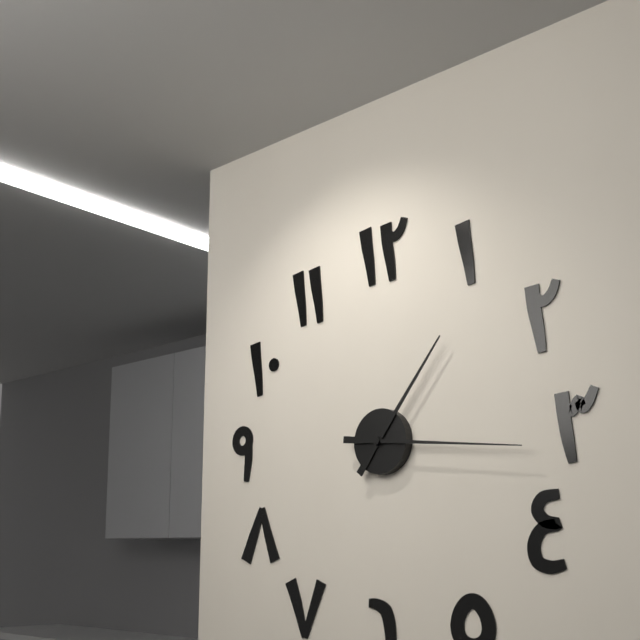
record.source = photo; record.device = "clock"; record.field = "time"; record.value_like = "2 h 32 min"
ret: 1 h 16 min
